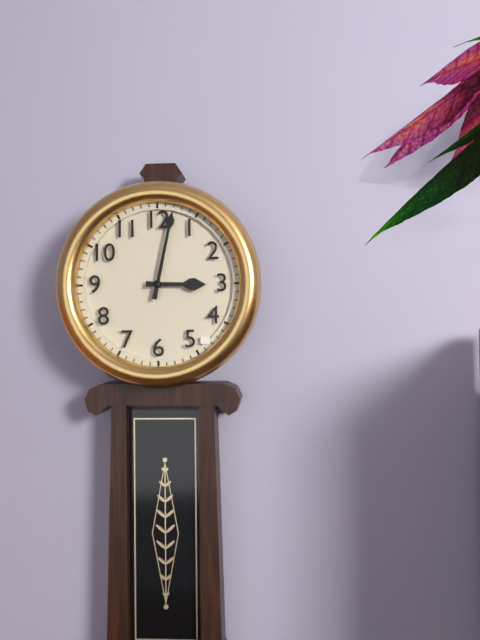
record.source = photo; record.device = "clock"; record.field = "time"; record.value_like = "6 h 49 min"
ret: 3 h 02 min
